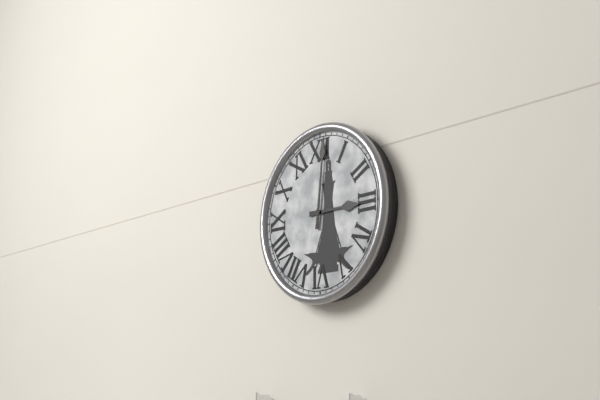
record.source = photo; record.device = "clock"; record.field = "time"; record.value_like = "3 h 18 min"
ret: 3 h 01 min
